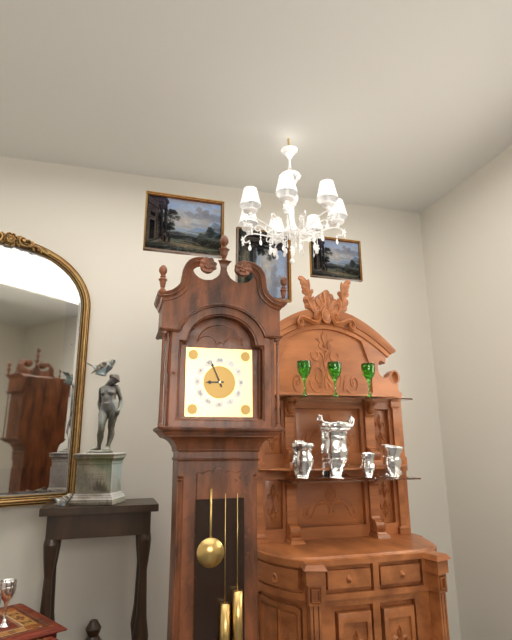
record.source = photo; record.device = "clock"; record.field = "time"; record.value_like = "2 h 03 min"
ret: 8 h 56 min
